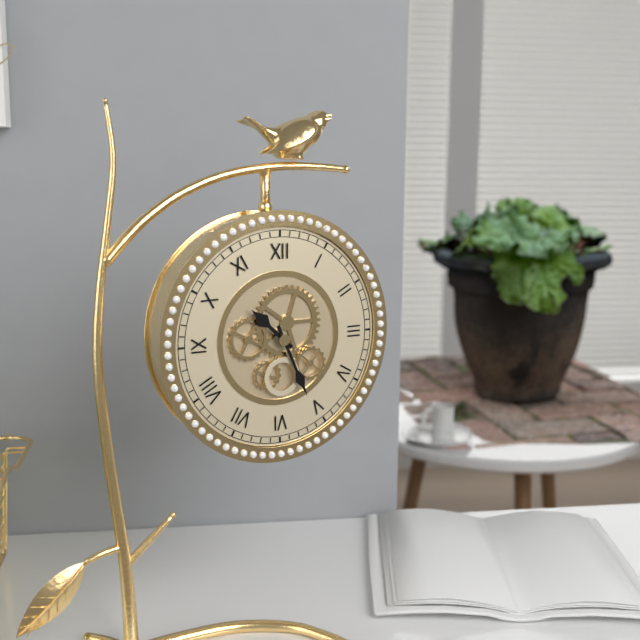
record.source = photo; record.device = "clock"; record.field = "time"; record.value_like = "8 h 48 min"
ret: 10 h 26 min
